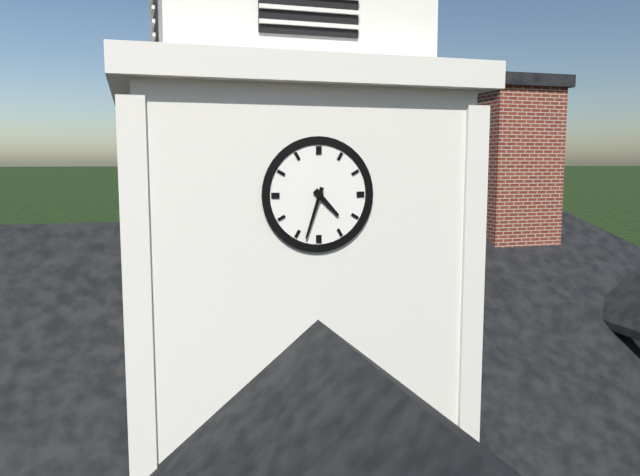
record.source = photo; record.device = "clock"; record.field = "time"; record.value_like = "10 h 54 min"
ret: 4 h 33 min
